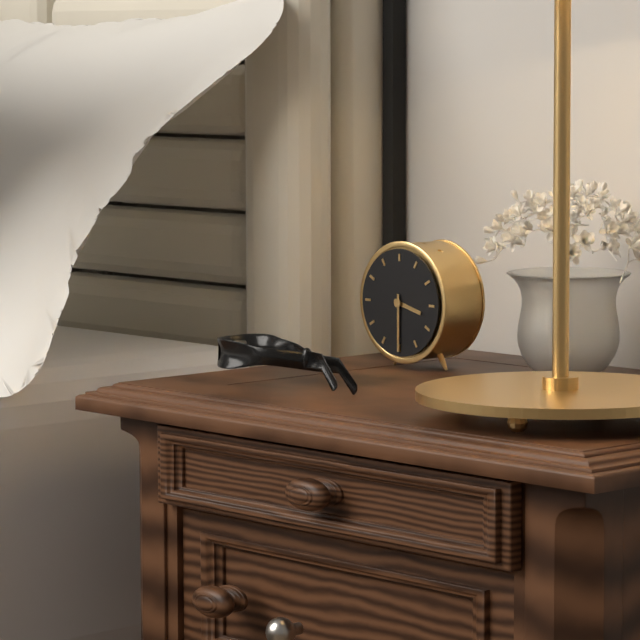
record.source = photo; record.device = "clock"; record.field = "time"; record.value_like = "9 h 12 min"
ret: 3 h 30 min
